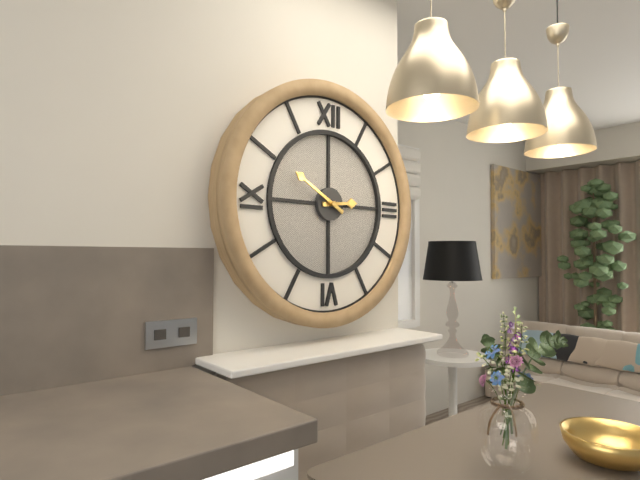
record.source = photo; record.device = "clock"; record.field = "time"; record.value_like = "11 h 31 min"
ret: 2 h 50 min
